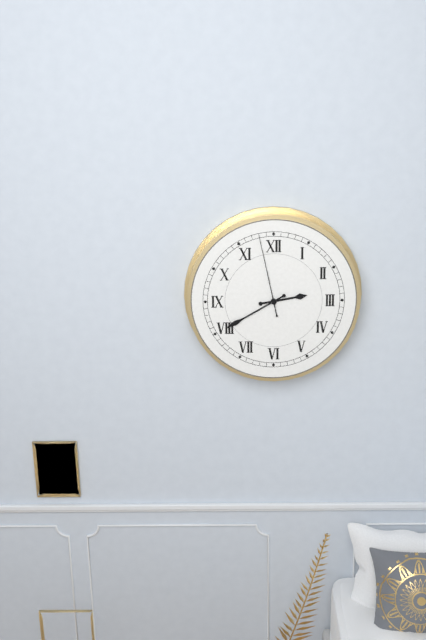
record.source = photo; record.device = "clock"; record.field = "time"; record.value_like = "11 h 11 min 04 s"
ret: 2 h 40 min 58 s
